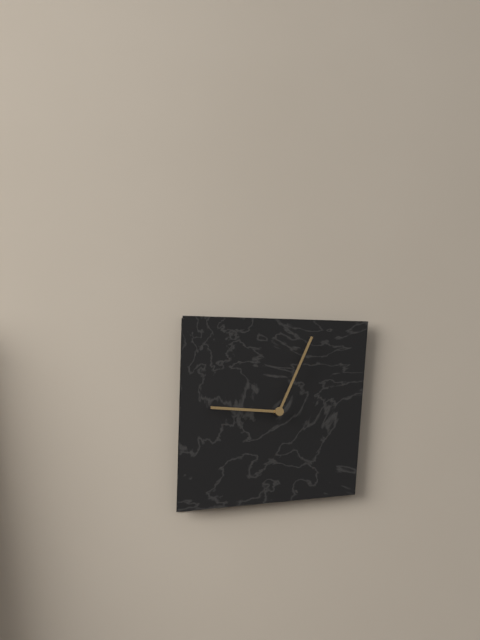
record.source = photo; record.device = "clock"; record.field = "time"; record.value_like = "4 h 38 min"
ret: 9 h 04 min
